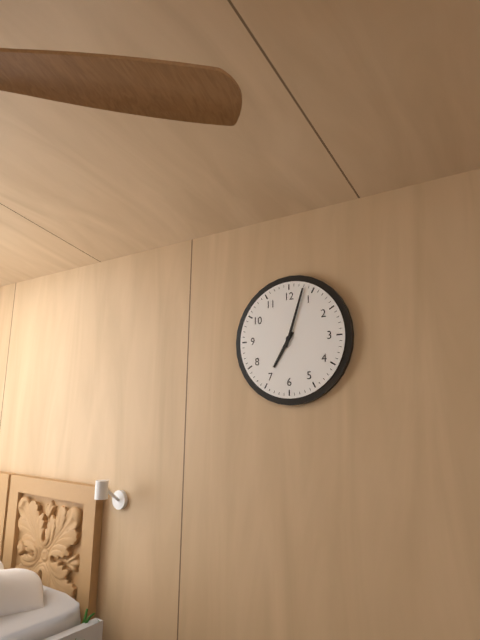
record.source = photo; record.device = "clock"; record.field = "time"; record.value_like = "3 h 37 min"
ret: 7 h 03 min
